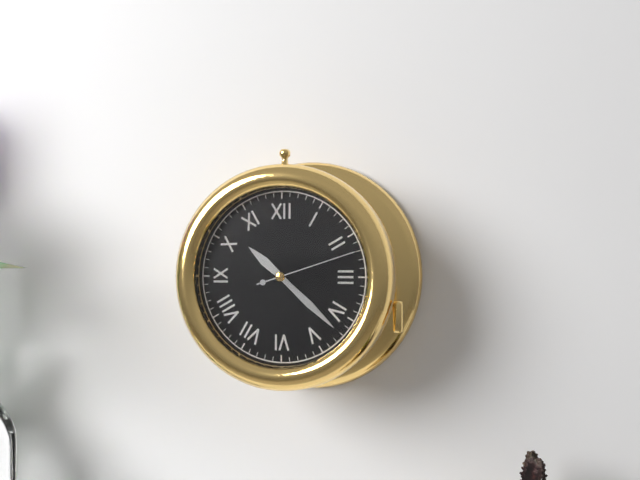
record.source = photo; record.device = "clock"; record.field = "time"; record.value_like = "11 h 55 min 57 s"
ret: 10 h 22 min 12 s
